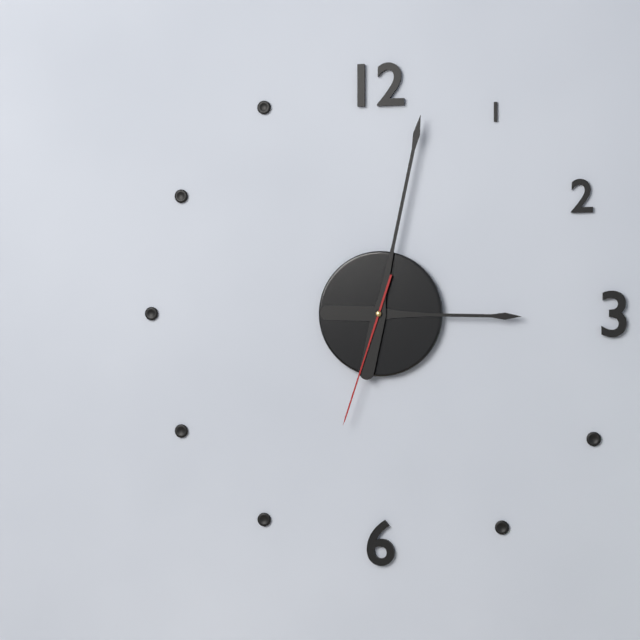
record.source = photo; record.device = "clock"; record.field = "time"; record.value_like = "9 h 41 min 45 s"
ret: 3 h 02 min 33 s
